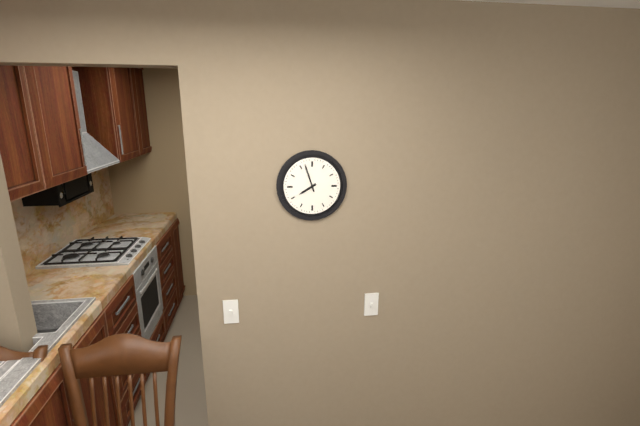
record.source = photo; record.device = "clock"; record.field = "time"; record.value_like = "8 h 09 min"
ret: 7 h 57 min
